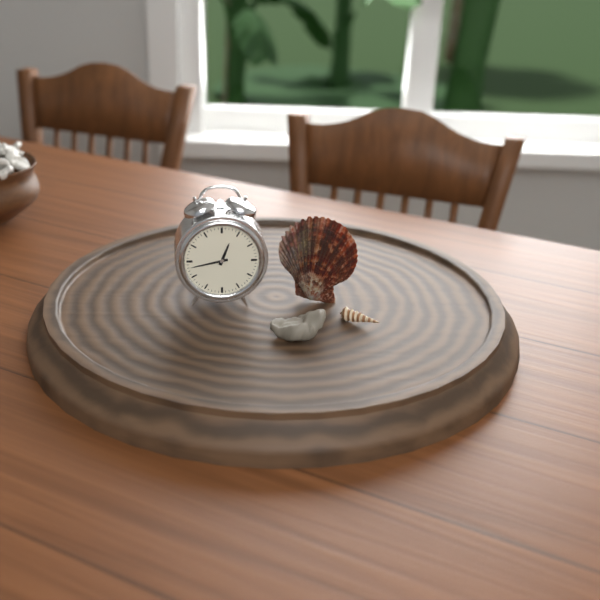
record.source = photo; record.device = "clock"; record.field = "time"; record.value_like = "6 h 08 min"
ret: 12 h 43 min
